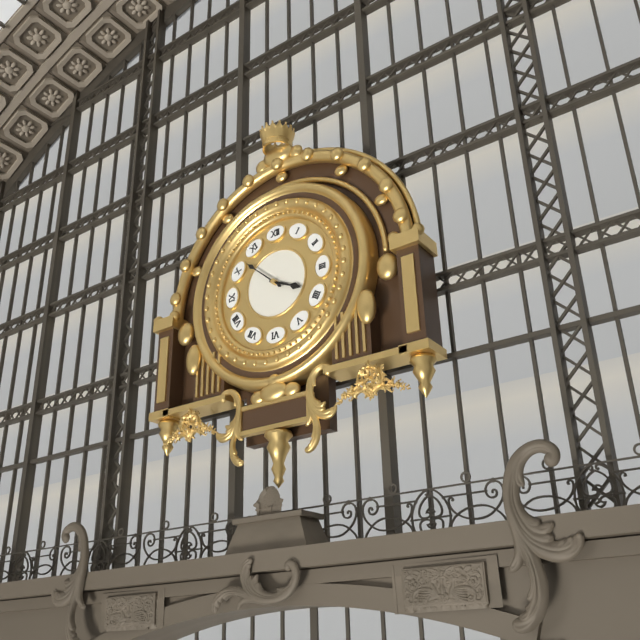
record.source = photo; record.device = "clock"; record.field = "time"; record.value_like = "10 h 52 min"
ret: 3 h 52 min
